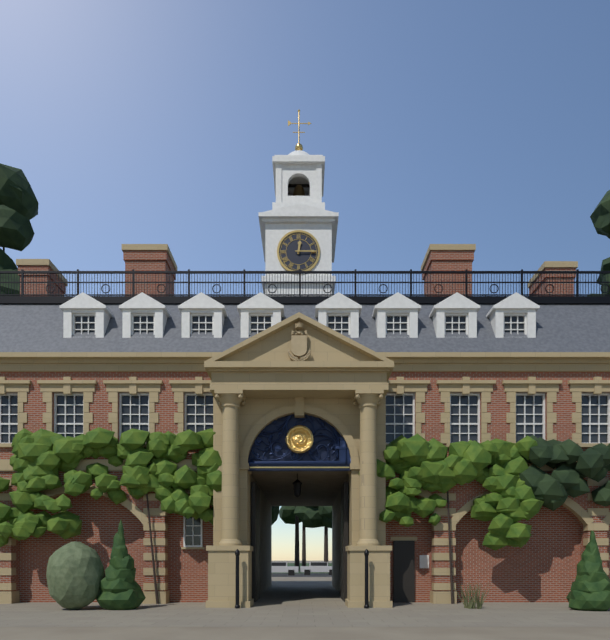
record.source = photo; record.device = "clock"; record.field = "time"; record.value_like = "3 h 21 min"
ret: 12 h 15 min
